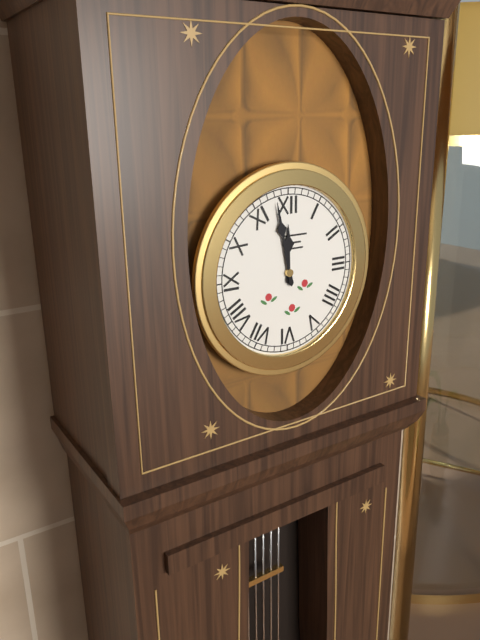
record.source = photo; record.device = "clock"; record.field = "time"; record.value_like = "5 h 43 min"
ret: 11 h 58 min
